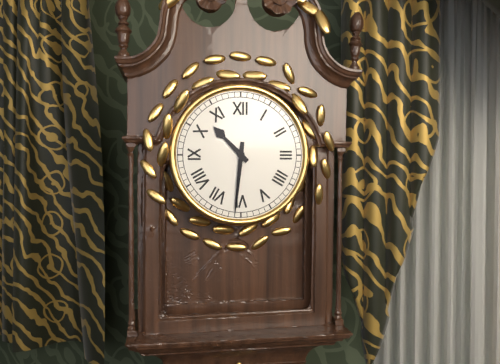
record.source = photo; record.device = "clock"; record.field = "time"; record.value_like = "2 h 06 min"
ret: 10 h 31 min
